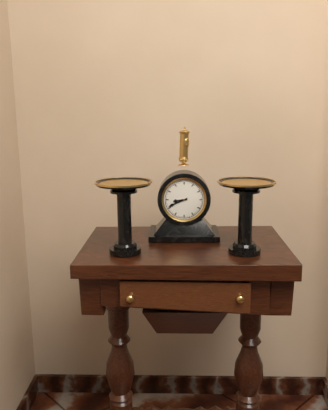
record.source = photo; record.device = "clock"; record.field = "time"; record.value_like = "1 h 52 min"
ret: 8 h 41 min
